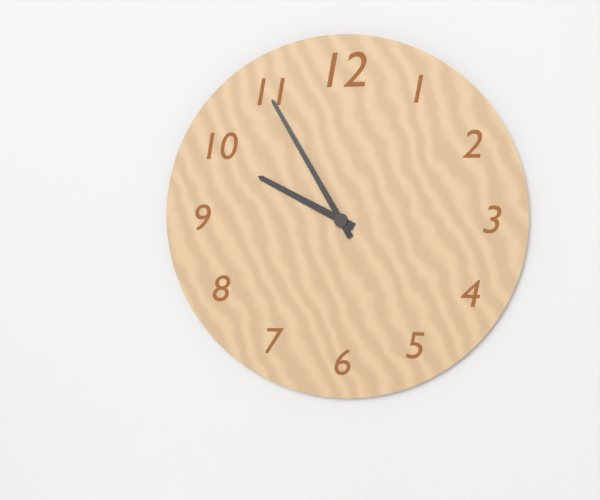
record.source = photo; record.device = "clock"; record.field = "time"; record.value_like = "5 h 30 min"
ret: 9 h 55 min
